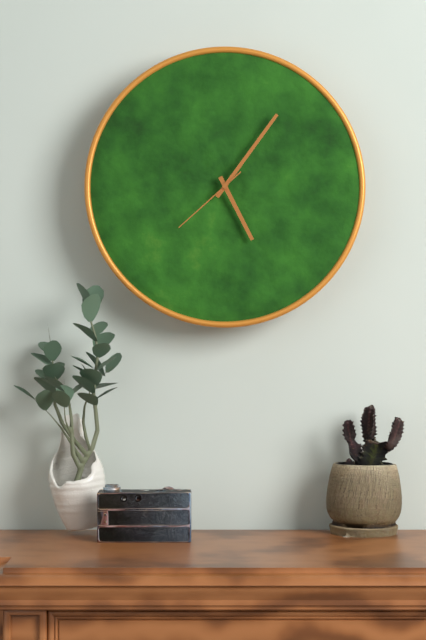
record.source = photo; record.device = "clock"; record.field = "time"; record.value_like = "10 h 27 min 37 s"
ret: 5 h 06 min 38 s
